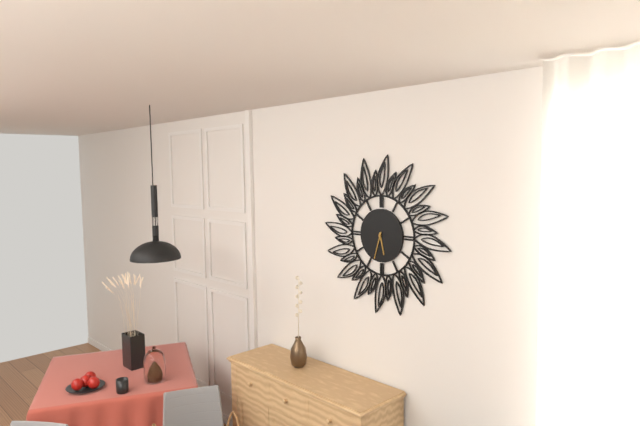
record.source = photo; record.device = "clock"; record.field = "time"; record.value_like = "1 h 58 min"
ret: 5 h 33 min
